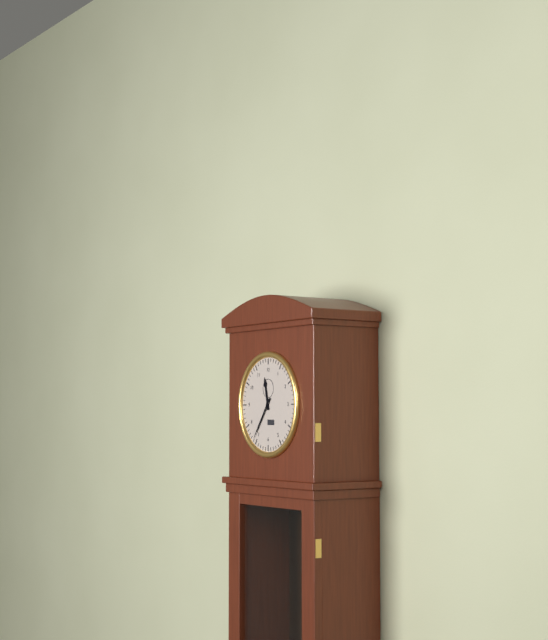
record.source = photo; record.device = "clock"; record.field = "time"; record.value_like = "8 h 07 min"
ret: 11 h 36 min
